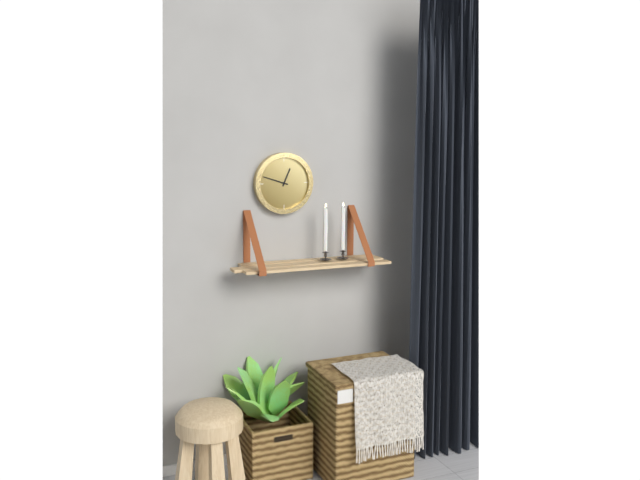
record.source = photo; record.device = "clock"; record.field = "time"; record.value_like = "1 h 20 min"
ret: 12 h 48 min
